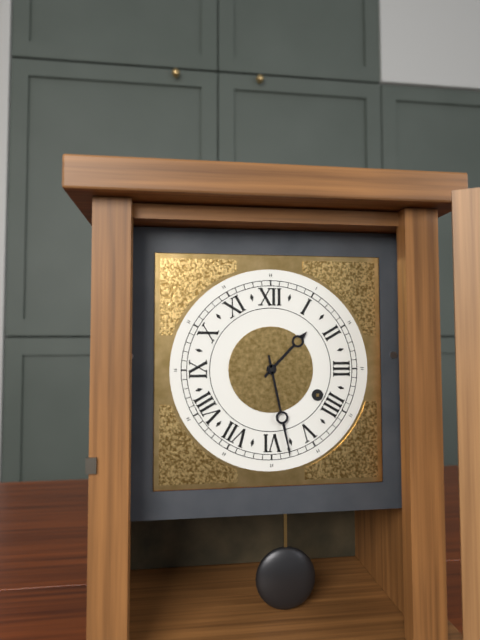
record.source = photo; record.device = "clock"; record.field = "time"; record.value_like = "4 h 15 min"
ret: 1 h 28 min
